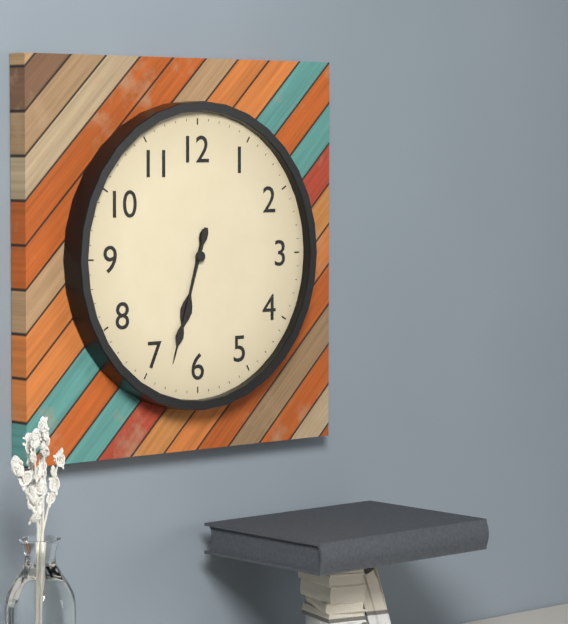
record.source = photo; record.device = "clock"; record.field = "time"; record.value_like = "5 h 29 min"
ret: 6 h 33 min
